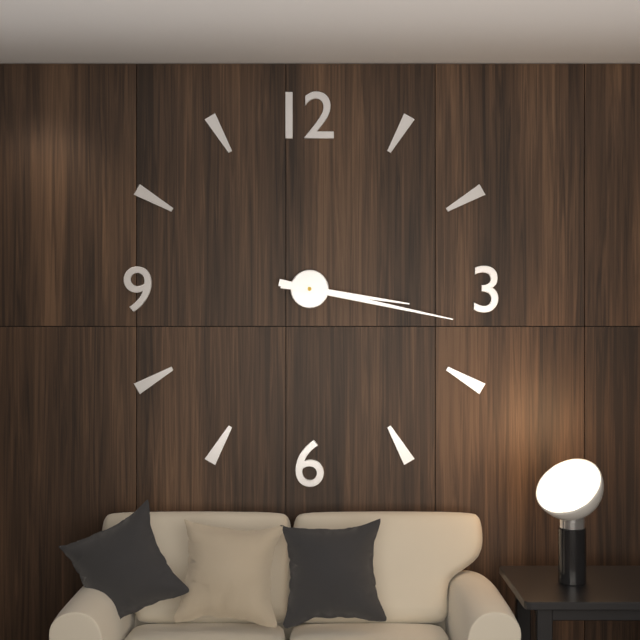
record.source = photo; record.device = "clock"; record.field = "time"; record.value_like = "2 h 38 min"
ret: 3 h 17 min
